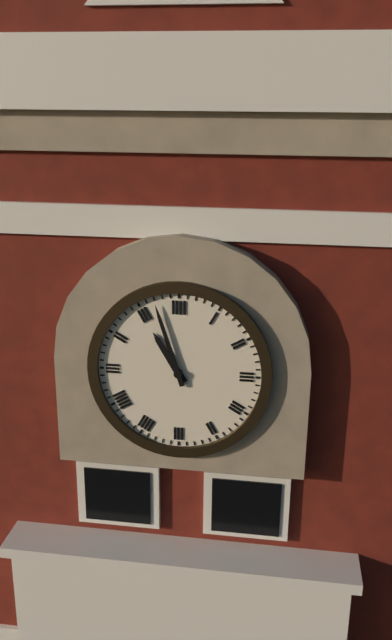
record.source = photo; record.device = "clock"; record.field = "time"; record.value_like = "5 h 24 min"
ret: 10 h 57 min
